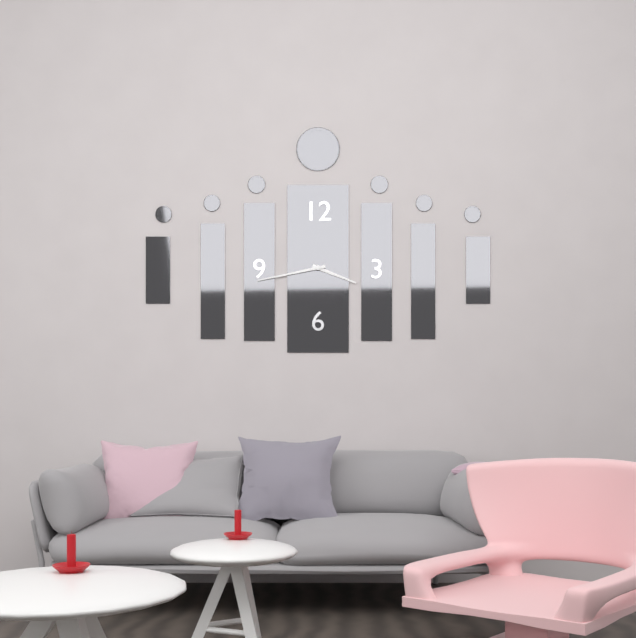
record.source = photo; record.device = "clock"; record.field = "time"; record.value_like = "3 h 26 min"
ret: 3 h 43 min
